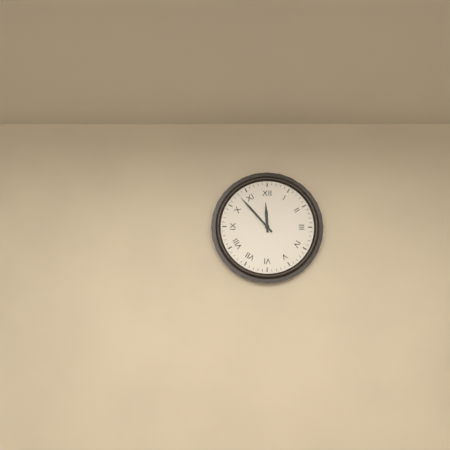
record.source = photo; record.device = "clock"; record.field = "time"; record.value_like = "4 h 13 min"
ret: 11 h 53 min
